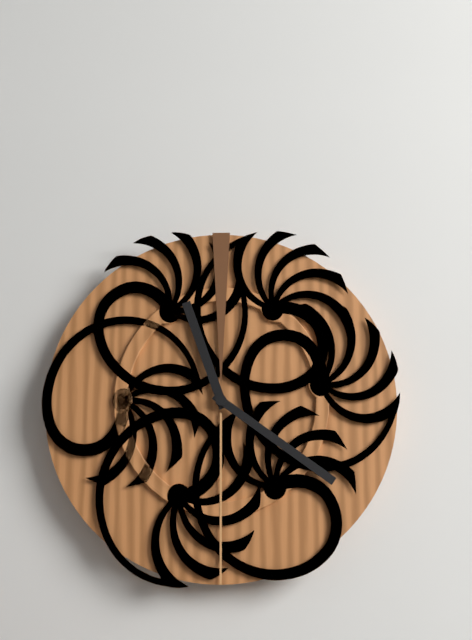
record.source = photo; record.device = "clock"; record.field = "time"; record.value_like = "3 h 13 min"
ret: 11 h 21 min
